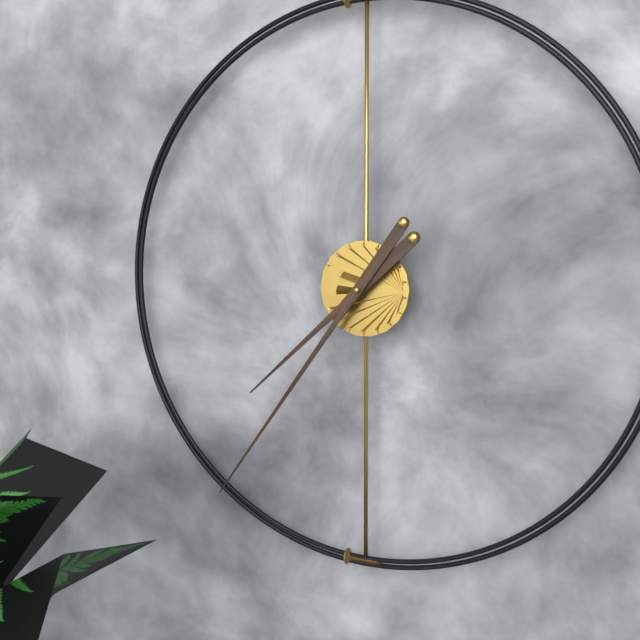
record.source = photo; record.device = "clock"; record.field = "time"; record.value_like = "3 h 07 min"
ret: 7 h 36 min
